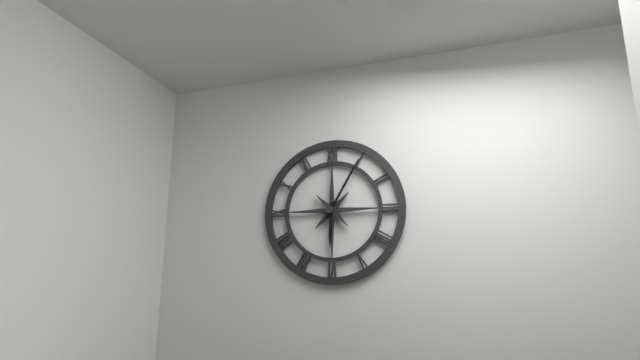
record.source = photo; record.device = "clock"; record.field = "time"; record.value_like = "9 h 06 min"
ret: 6 h 05 min
